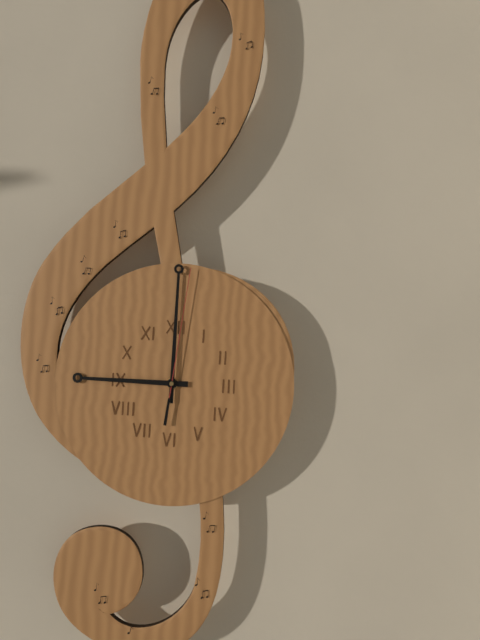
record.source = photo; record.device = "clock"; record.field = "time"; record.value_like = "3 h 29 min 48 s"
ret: 9 h 00 min 01 s
